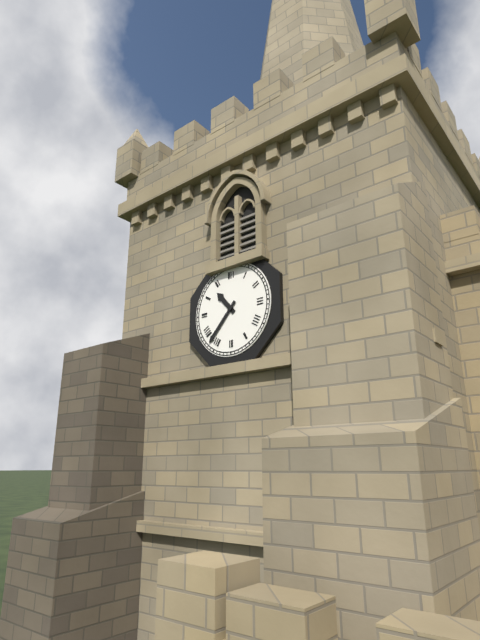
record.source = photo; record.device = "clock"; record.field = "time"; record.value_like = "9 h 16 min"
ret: 10 h 37 min
